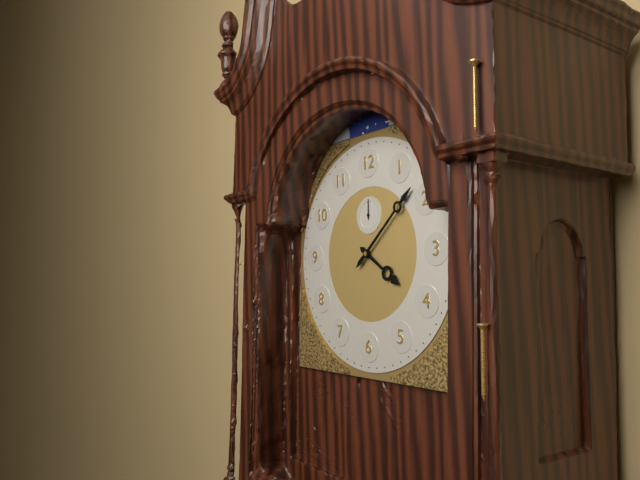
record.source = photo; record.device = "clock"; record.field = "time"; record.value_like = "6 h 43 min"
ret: 4 h 08 min
